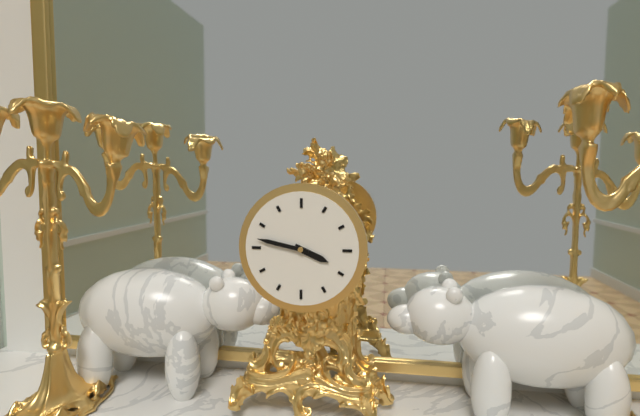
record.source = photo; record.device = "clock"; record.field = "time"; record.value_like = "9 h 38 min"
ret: 3 h 47 min
